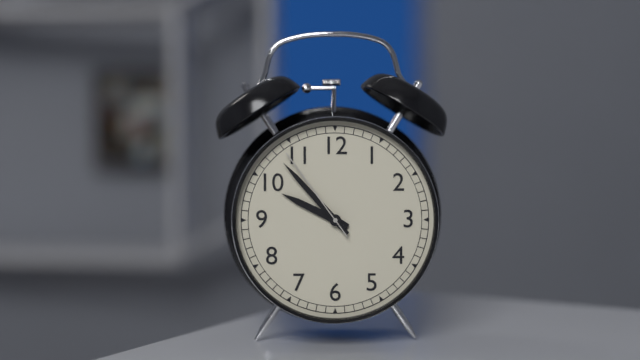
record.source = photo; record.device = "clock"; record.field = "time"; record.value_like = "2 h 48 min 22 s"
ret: 9 h 53 min 54 s
